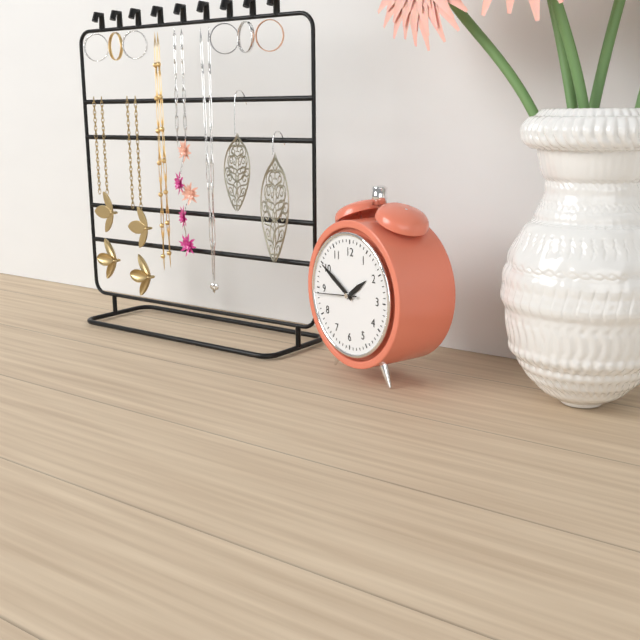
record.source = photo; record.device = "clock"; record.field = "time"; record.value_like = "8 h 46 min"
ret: 1 h 50 min
